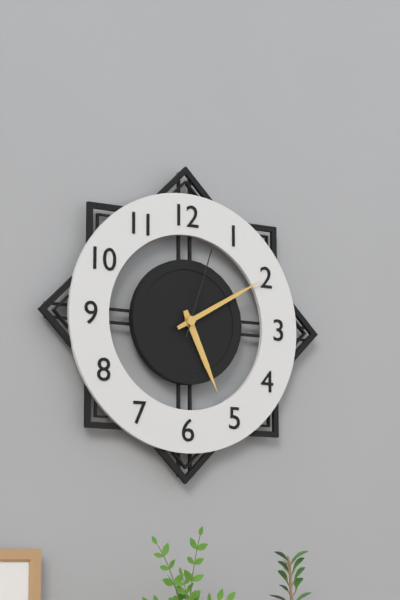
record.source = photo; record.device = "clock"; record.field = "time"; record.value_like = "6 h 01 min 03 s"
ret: 5 h 10 min 03 s
